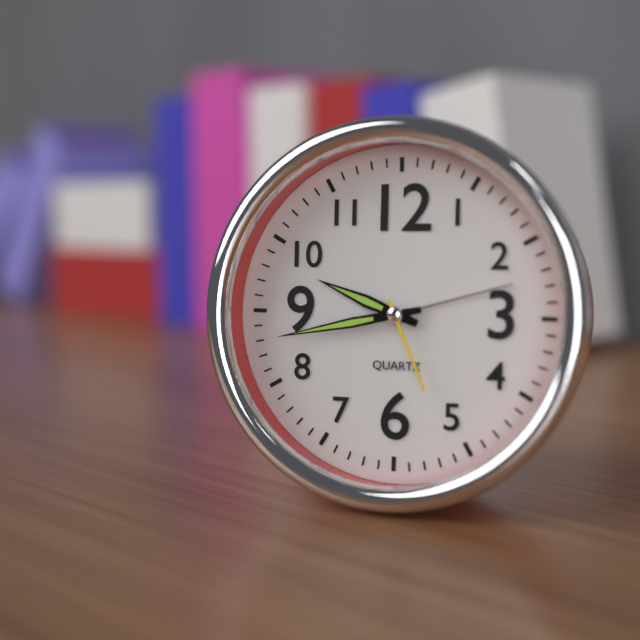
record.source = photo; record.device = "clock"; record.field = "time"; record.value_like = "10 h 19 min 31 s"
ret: 9 h 43 min 26 s
